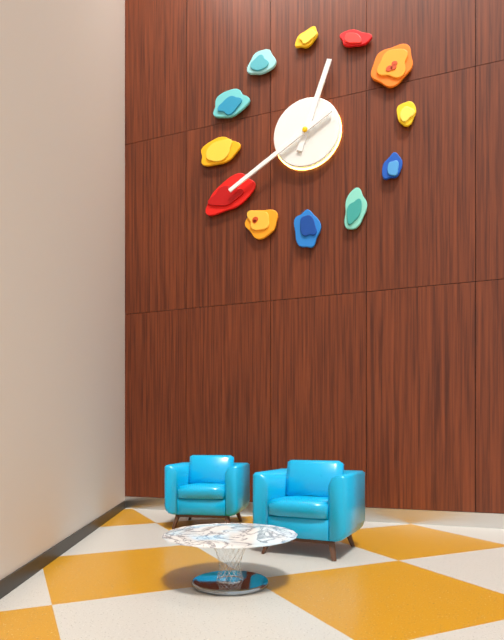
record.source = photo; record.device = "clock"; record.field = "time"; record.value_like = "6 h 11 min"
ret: 12 h 40 min
